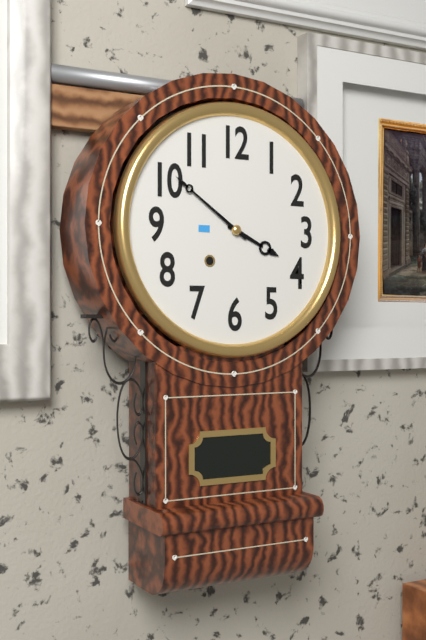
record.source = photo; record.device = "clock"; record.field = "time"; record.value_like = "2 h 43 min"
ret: 3 h 51 min
